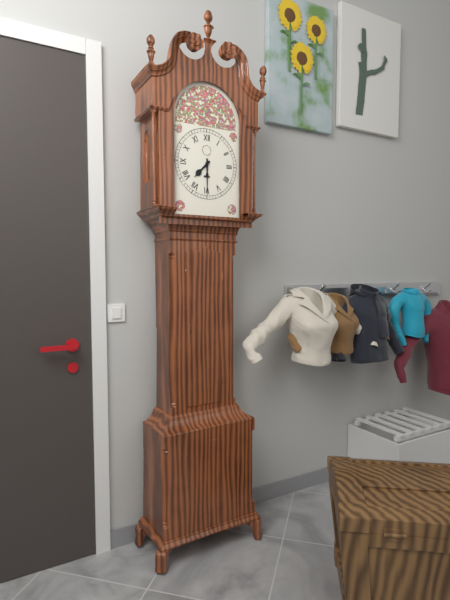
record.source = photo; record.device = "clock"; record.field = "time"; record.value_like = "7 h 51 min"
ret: 7 h 30 min
